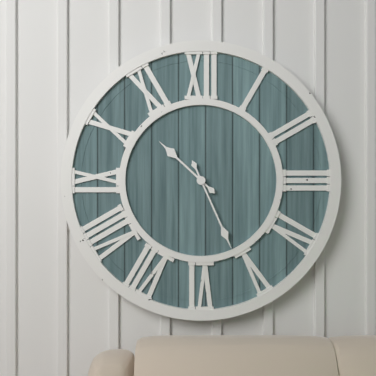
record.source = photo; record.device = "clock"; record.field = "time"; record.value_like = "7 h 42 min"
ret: 10 h 26 min
